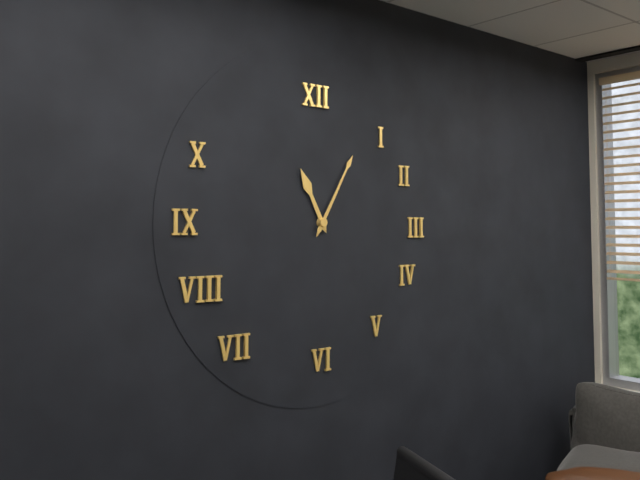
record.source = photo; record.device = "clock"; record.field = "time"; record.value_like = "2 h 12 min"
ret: 11 h 05 min
